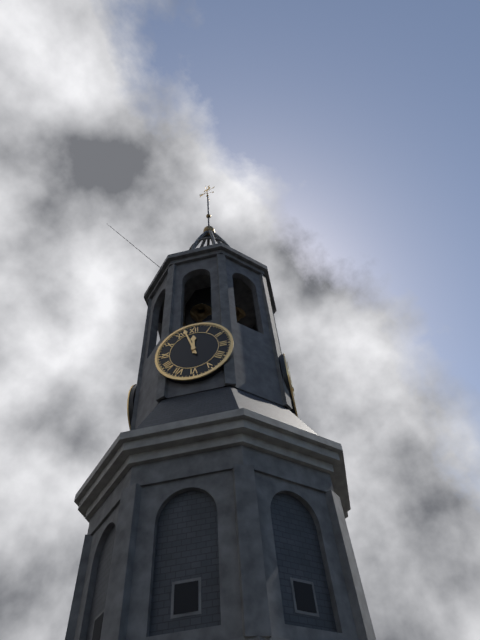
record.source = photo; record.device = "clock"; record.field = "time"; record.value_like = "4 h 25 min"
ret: 11 h 57 min
